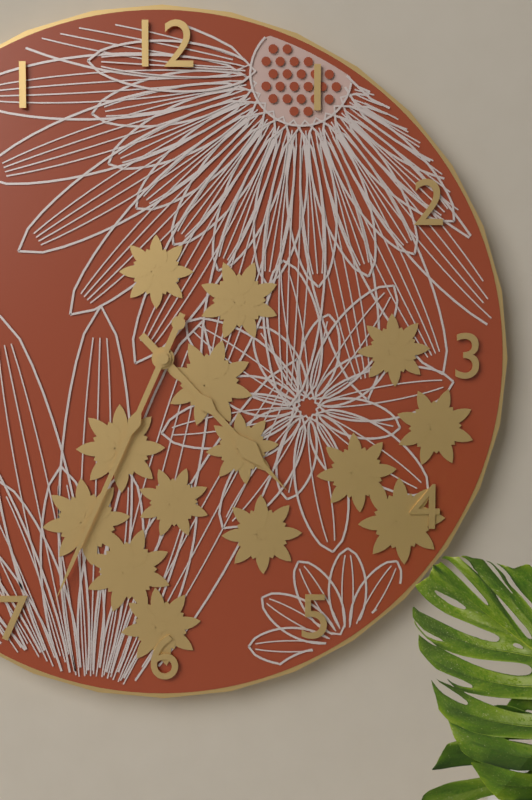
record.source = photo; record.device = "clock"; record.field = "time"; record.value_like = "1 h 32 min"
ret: 4 h 34 min
